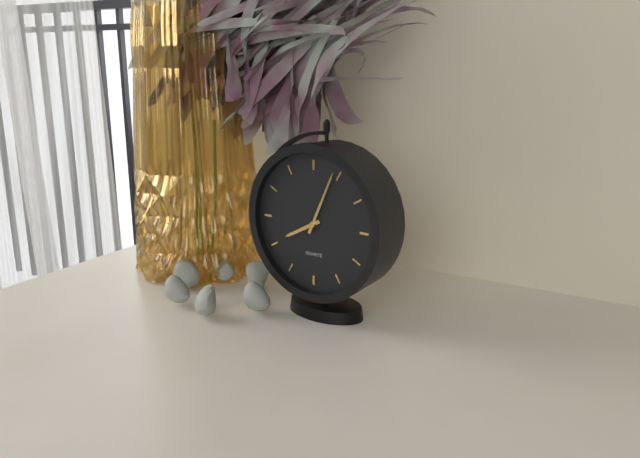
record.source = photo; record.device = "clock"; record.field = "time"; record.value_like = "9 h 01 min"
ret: 8 h 04 min
